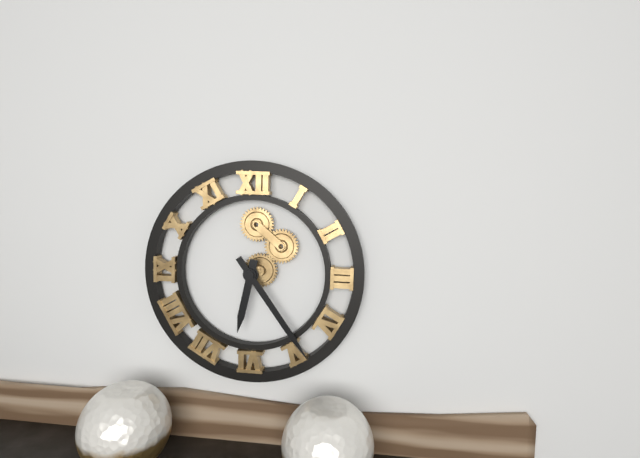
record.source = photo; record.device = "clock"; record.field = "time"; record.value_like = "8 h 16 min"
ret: 6 h 24 min
